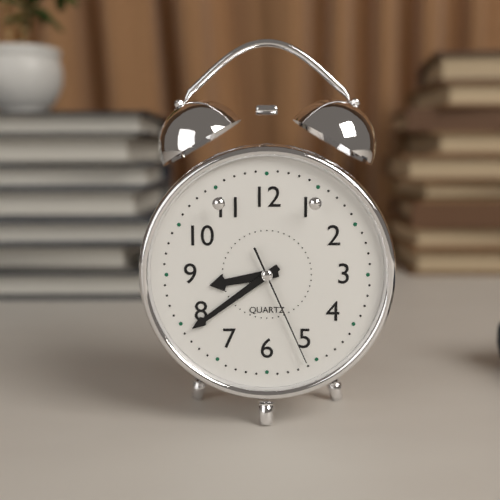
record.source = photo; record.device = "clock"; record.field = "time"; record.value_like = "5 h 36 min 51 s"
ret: 8 h 39 min 26 s
